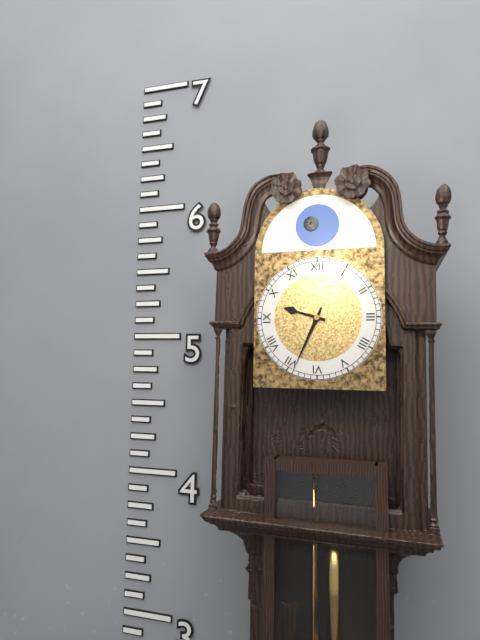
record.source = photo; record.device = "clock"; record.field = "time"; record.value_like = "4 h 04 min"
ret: 9 h 34 min
